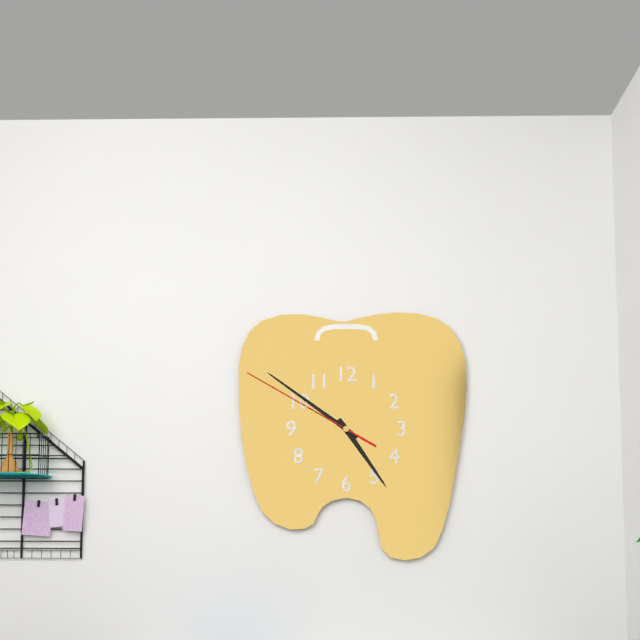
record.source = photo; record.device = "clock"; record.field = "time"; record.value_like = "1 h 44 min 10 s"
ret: 4 h 51 min 50 s
